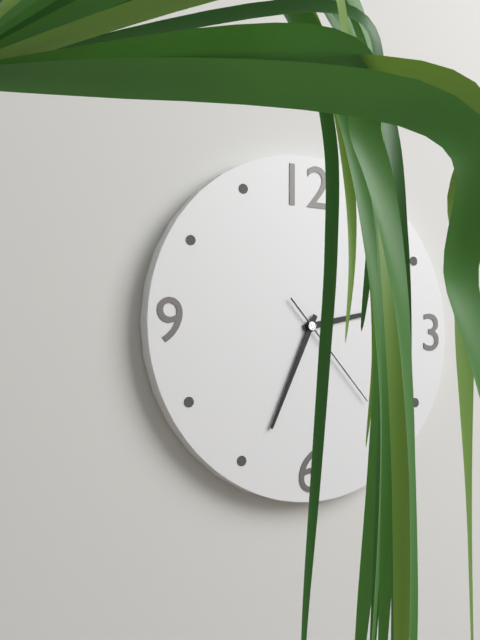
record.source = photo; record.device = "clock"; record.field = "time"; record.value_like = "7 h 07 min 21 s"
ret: 2 h 34 min 23 s
